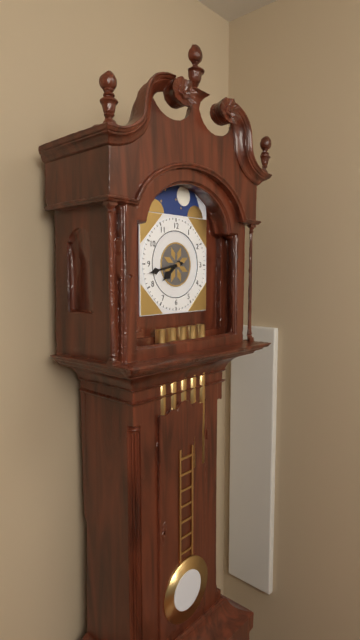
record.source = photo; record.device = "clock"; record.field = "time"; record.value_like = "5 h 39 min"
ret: 7 h 43 min
